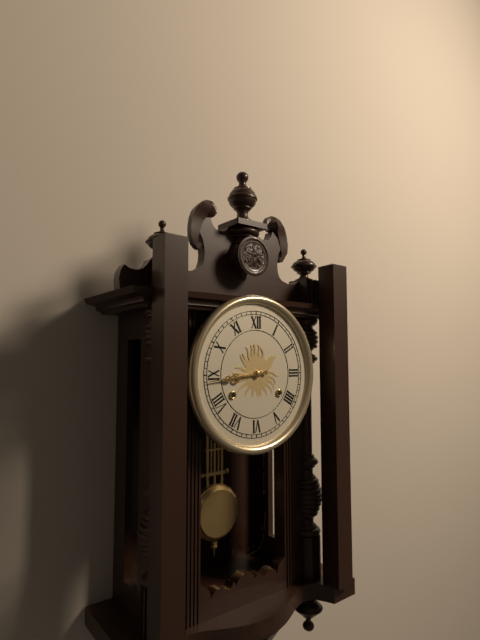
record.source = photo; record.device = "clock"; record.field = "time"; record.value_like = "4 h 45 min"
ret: 8 h 44 min
